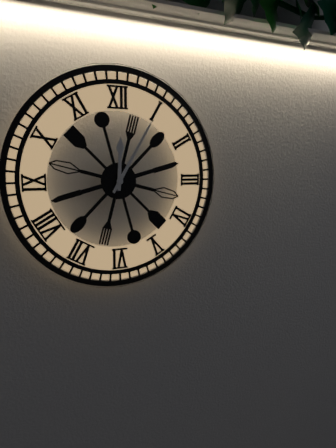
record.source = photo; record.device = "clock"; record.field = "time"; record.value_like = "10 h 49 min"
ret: 12 h 05 min
